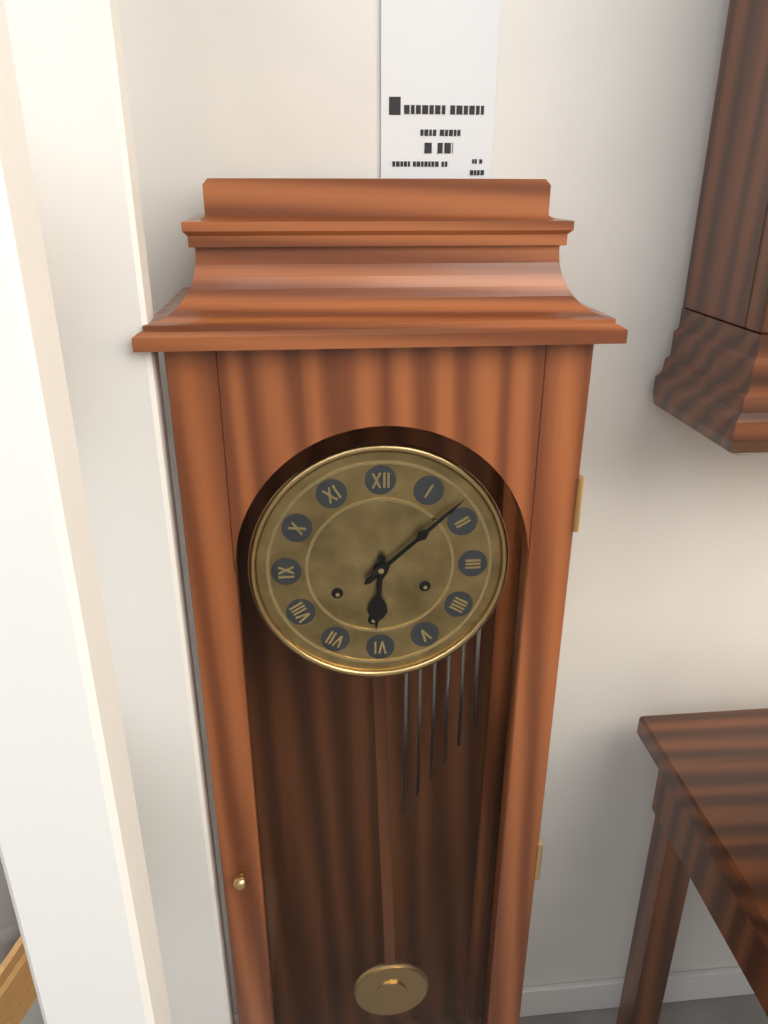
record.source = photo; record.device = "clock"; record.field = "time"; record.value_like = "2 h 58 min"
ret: 6 h 08 min
